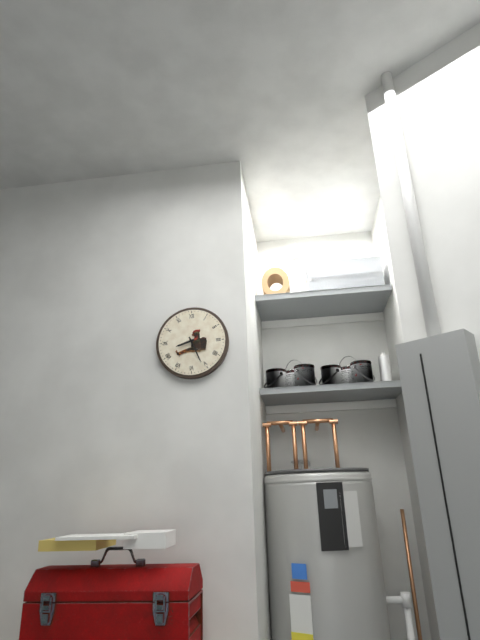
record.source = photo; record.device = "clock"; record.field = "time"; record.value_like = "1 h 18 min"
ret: 8 h 26 min
